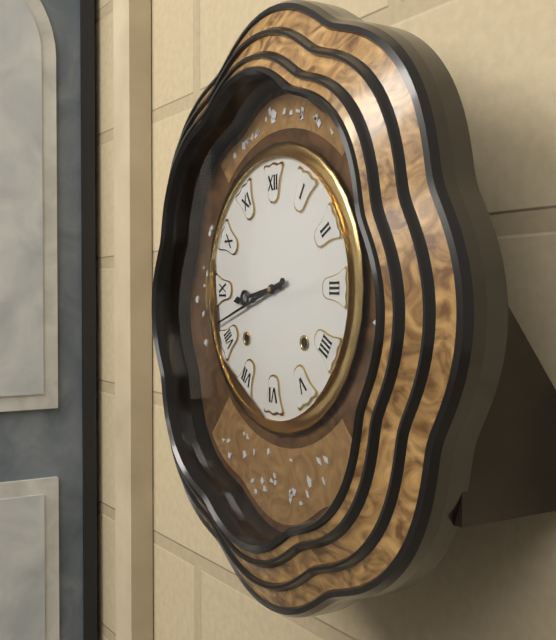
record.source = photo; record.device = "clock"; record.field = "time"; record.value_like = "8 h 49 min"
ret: 8 h 42 min
